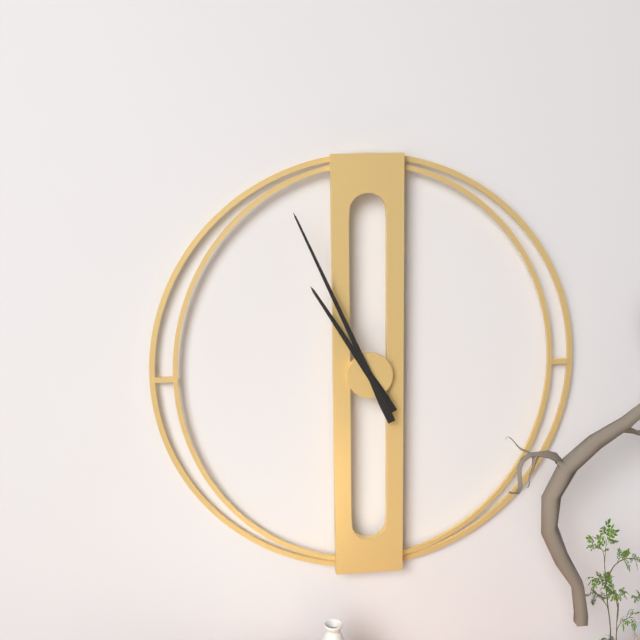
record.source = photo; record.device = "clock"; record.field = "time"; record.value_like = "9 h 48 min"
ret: 10 h 56 min
